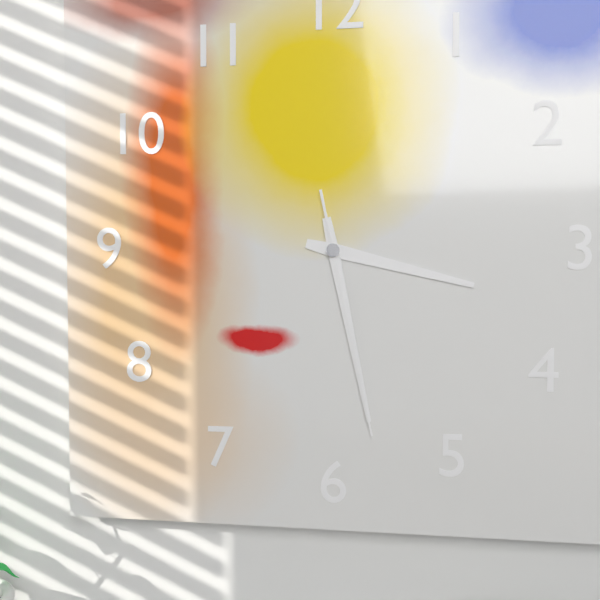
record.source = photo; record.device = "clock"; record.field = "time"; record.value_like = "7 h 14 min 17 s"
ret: 3 h 28 min 28 s
